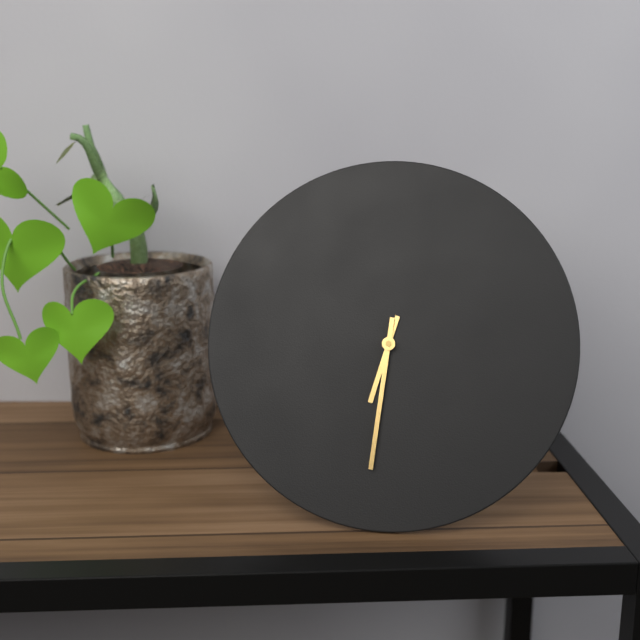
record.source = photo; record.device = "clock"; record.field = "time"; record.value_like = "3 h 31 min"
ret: 6 h 31 min
